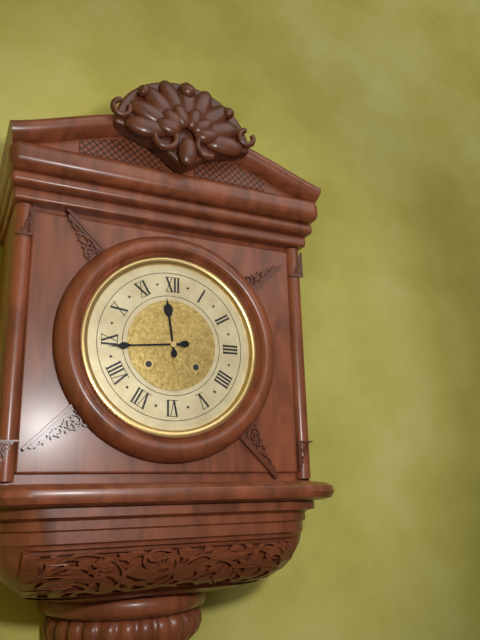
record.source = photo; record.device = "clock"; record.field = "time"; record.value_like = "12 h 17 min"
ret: 11 h 44 min
